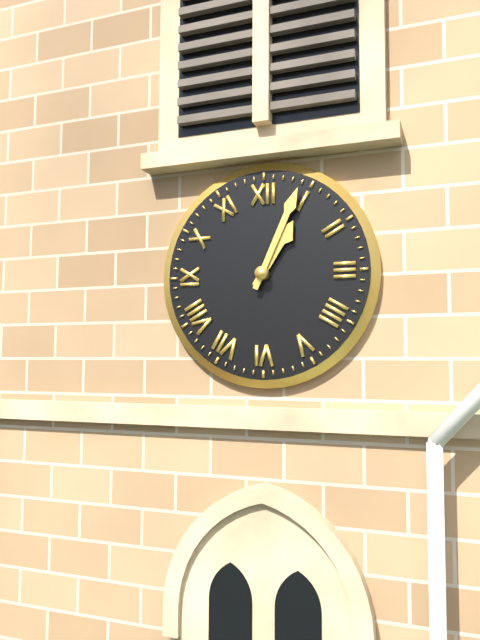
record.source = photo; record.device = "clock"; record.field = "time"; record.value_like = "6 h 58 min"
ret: 1 h 04 min
